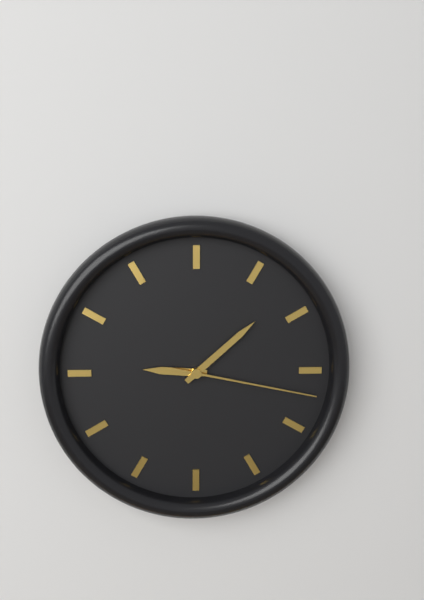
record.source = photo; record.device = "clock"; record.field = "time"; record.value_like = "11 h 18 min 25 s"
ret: 9 h 08 min 17 s
